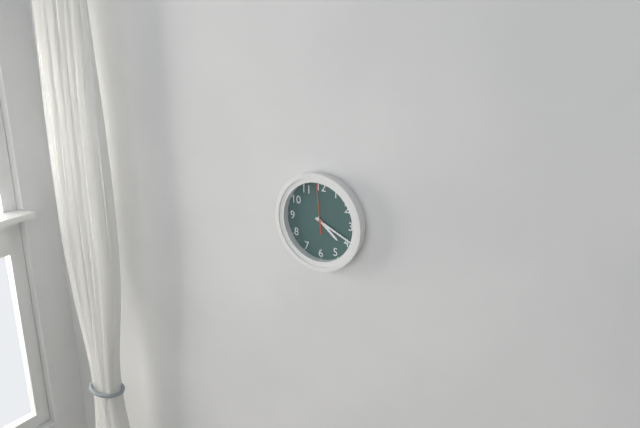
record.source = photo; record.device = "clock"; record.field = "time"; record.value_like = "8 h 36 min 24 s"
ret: 4 h 19 min 59 s
